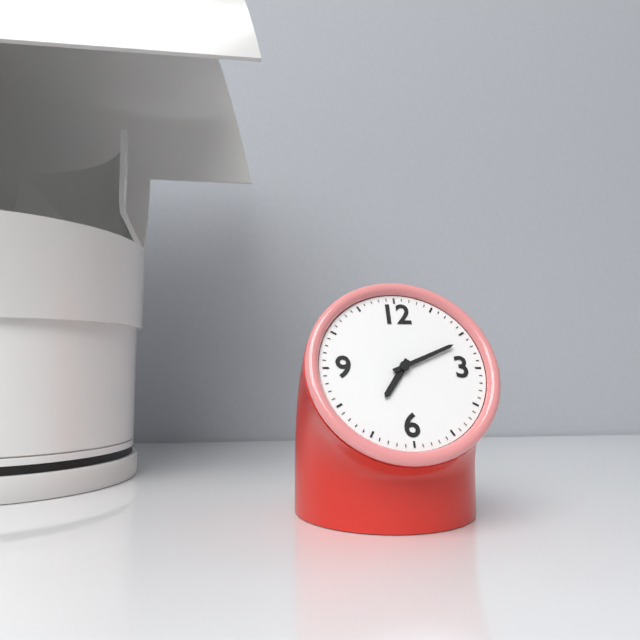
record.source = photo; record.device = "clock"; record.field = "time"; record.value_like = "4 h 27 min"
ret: 7 h 11 min
